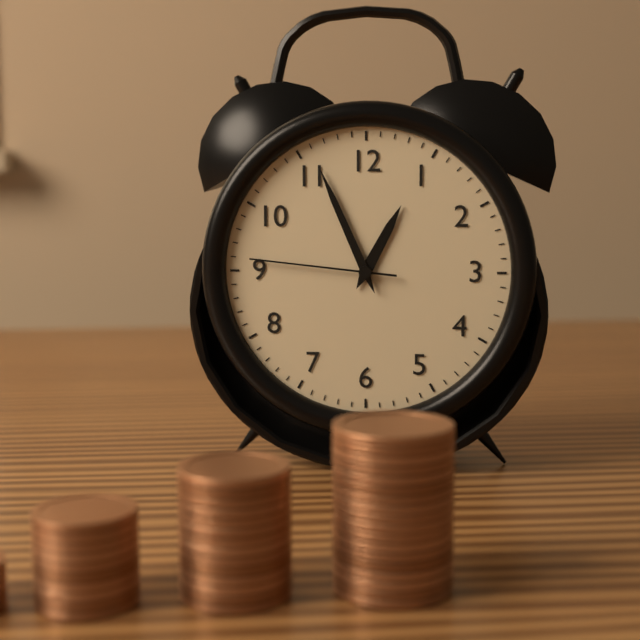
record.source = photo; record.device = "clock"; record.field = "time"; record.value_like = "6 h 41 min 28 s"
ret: 12 h 56 min 46 s
